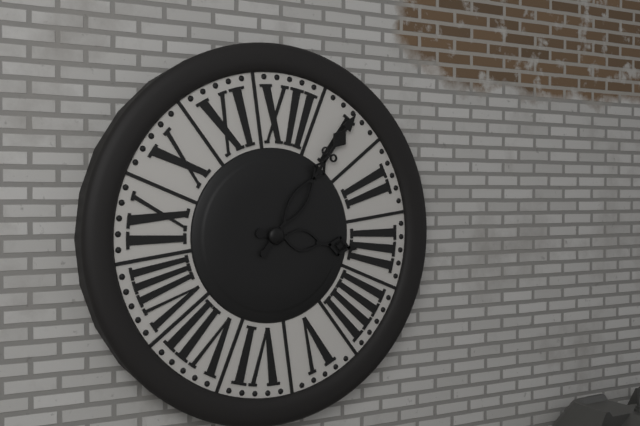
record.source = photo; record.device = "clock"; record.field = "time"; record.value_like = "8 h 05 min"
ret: 3 h 05 min
